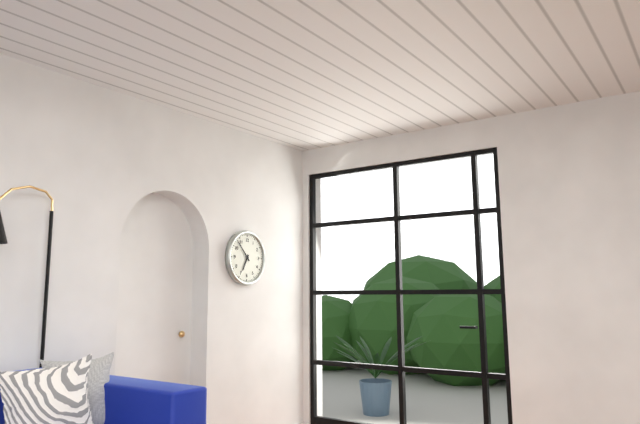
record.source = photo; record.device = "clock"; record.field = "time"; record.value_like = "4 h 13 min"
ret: 6 h 53 min
